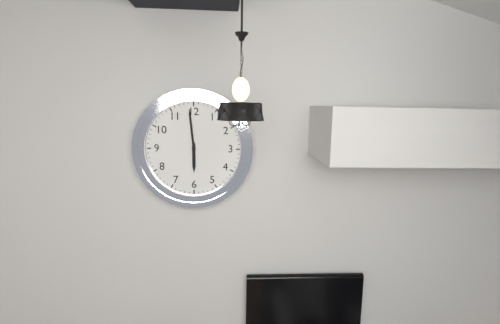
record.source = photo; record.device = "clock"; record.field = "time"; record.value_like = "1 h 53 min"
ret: 5 h 59 min
